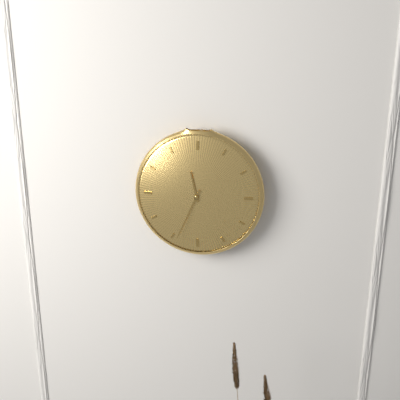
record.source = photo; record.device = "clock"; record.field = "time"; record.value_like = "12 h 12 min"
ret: 11 h 34 min
